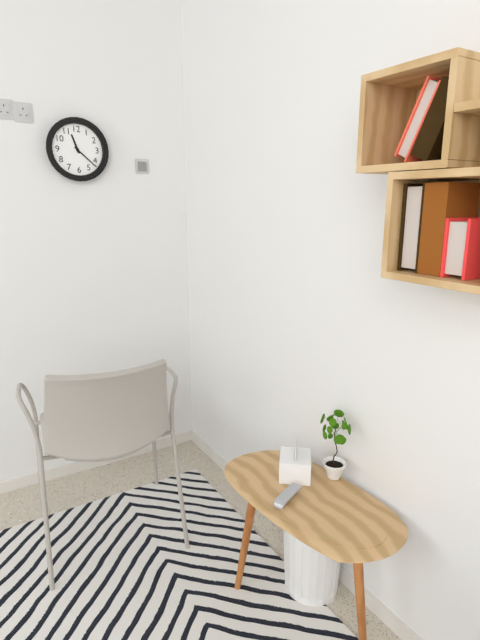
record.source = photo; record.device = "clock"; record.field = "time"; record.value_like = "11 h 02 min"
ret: 11 h 22 min
